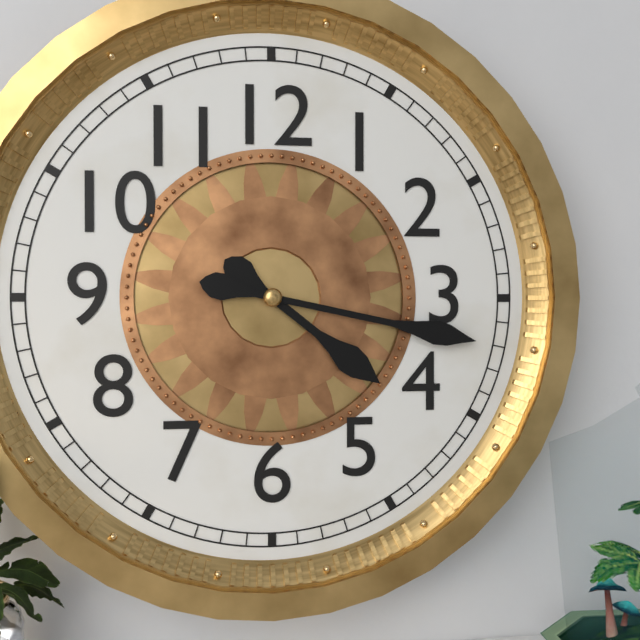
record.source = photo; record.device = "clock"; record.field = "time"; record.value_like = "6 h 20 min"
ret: 4 h 17 min
